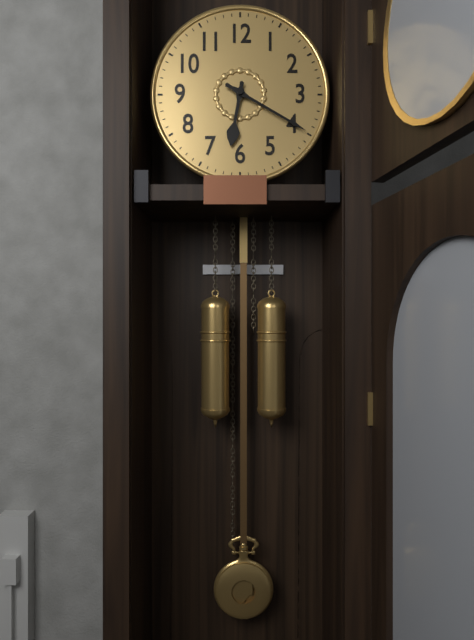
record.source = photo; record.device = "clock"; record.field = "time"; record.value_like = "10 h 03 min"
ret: 6 h 20 min
